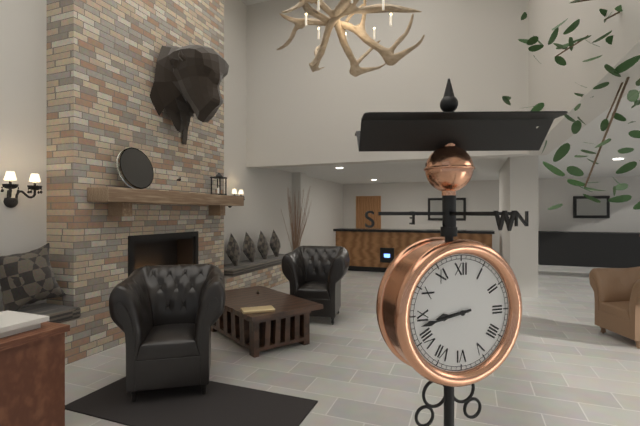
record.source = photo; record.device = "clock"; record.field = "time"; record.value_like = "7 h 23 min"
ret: 8 h 43 min
